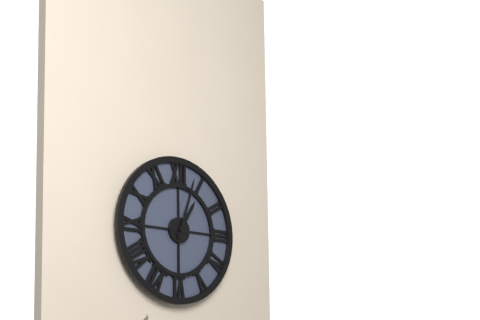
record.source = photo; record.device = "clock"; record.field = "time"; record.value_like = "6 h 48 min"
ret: 1 h 03 min
